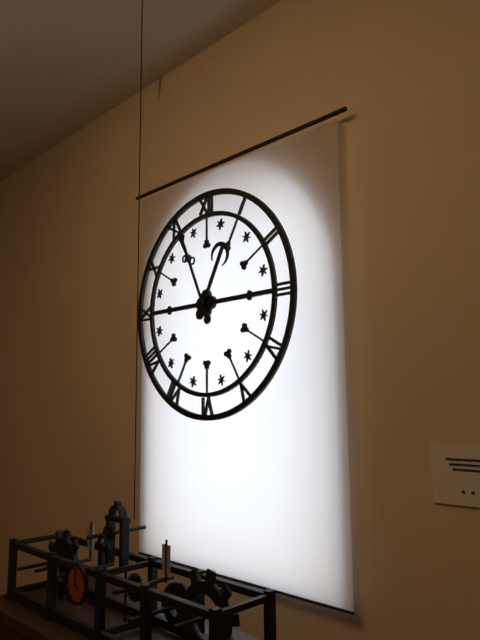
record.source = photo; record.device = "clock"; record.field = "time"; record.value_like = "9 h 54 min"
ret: 12 h 56 min
